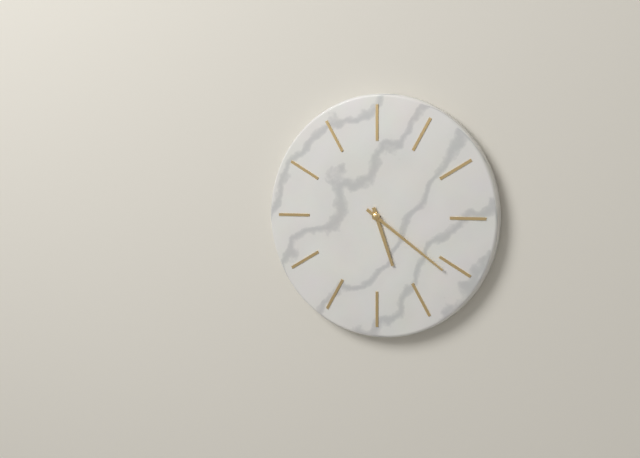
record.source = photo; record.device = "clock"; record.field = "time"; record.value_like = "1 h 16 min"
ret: 5 h 21 min
